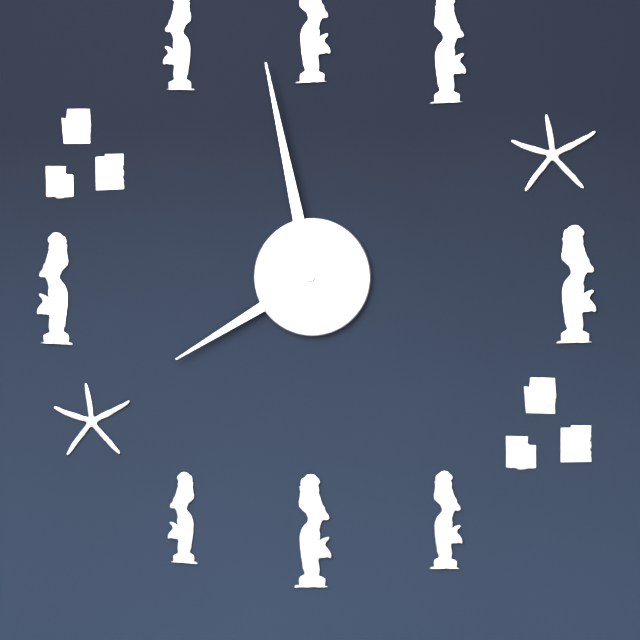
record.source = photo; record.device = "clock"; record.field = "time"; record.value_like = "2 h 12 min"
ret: 7 h 58 min
